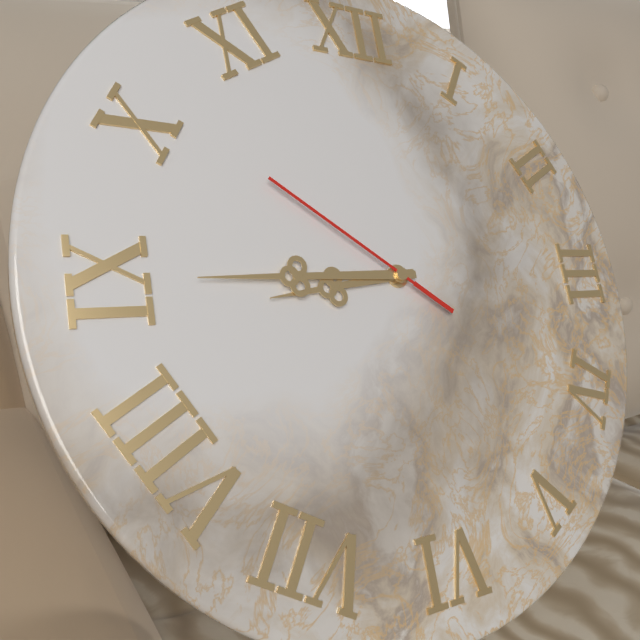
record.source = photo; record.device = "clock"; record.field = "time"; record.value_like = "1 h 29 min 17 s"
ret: 8 h 45 min 51 s
